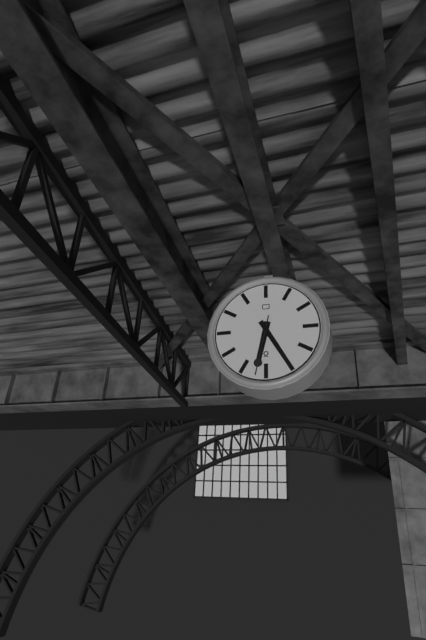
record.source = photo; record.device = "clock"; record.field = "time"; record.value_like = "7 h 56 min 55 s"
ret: 6 h 25 min 32 s
